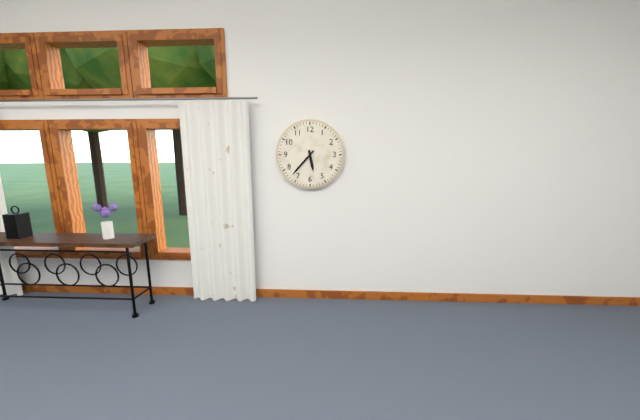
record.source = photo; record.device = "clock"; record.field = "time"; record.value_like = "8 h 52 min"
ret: 5 h 37 min
